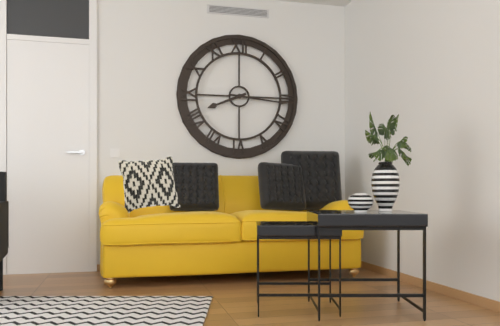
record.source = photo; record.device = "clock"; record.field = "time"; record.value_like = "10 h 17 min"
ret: 8 h 16 min
